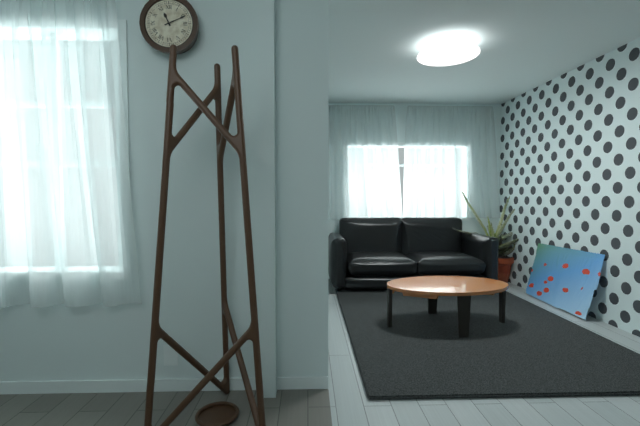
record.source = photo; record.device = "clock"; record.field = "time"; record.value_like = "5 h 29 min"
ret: 11 h 11 min
